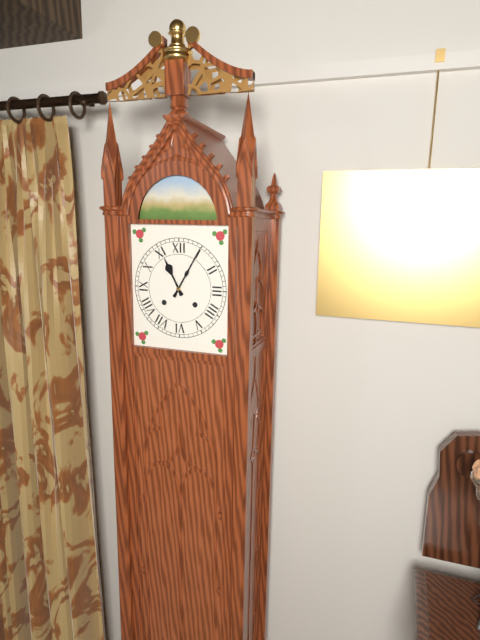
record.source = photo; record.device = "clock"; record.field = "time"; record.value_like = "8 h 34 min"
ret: 11 h 05 min
